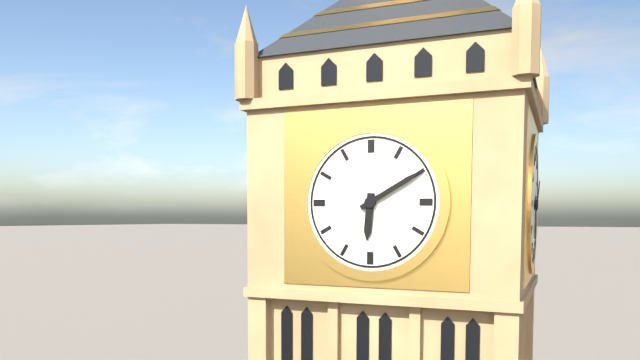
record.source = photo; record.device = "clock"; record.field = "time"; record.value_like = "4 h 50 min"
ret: 6 h 10 min
